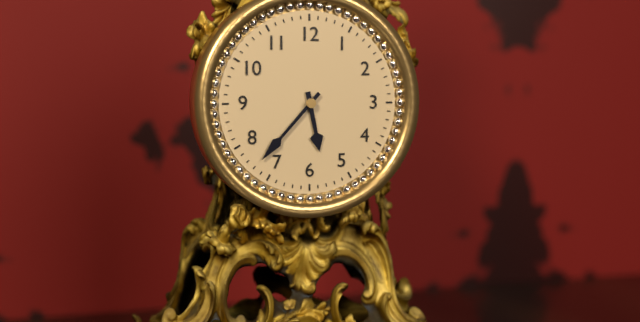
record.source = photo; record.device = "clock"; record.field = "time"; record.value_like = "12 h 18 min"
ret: 5 h 37 min
